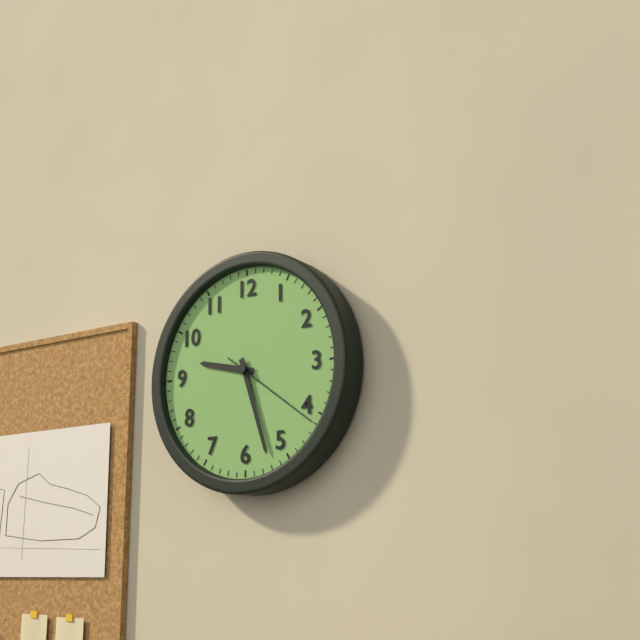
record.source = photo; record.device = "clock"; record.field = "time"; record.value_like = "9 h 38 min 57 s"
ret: 9 h 27 min 21 s
